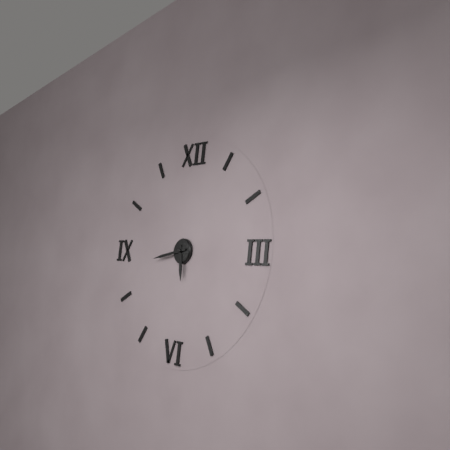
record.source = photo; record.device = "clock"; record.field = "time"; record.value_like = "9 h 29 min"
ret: 5 h 43 min
